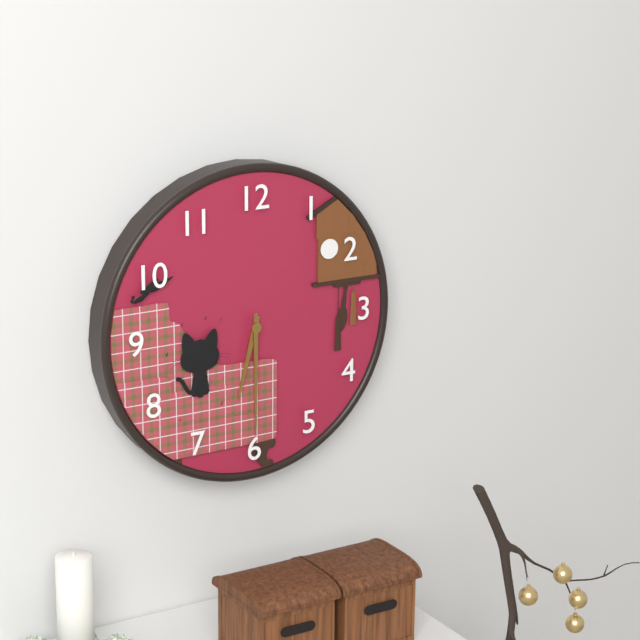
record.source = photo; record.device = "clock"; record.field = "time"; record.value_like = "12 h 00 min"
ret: 6 h 30 min
